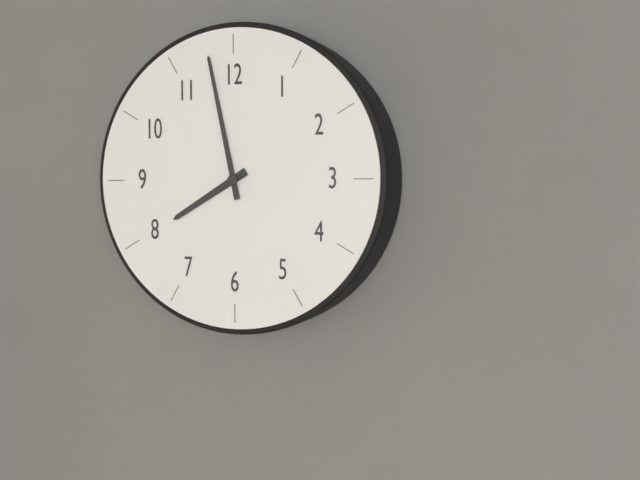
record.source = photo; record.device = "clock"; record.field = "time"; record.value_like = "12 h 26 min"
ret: 7 h 58 min
